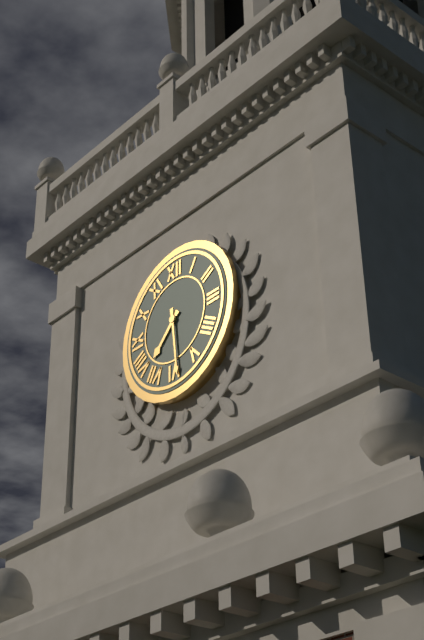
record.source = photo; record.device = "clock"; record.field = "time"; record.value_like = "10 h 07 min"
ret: 7 h 29 min
